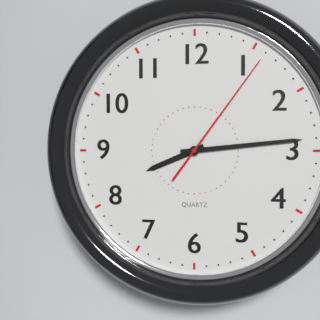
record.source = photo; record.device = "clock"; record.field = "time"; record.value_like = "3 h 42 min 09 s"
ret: 8 h 14 min 06 s
